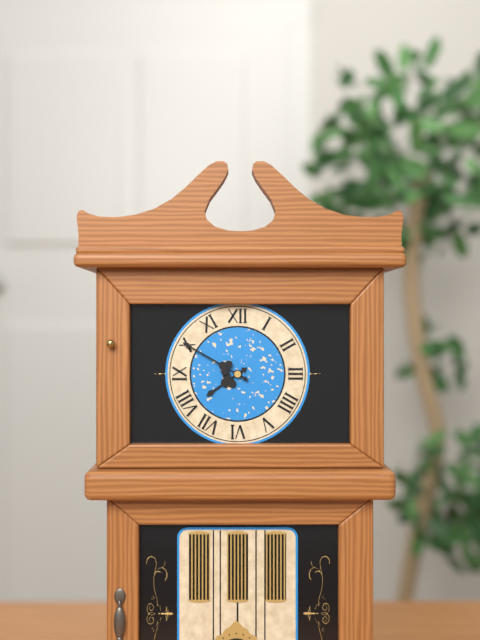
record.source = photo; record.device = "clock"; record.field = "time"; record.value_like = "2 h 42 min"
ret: 7 h 50 min
